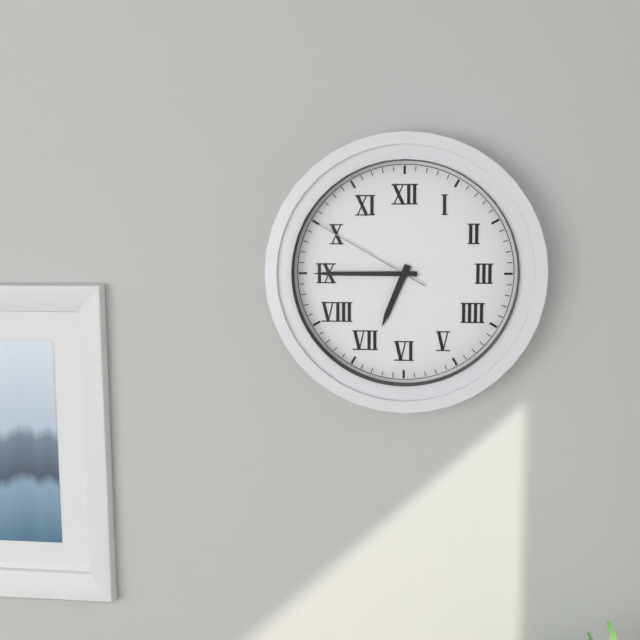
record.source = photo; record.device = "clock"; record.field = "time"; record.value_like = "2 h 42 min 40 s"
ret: 6 h 45 min 50 s
